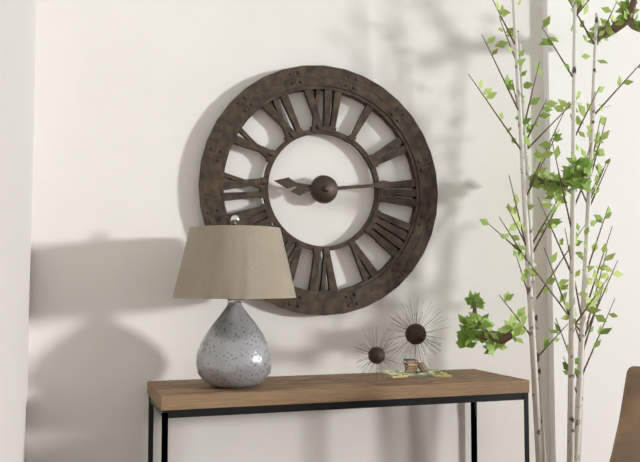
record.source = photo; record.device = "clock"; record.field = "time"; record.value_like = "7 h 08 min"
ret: 9 h 14 min
